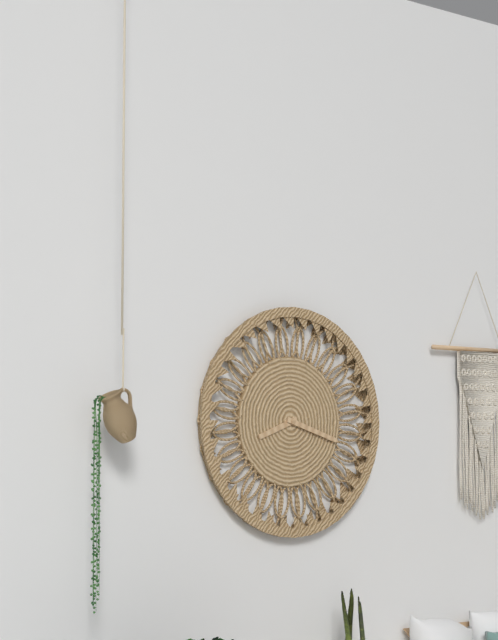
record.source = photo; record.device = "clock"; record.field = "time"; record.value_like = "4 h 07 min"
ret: 8 h 18 min
